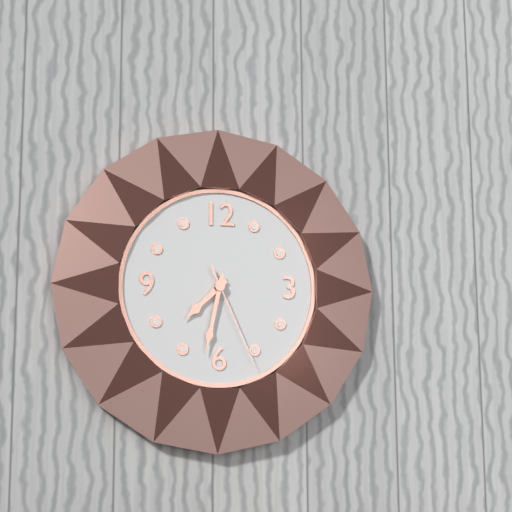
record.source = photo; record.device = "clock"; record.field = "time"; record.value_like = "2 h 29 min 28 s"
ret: 7 h 32 min 26 s
